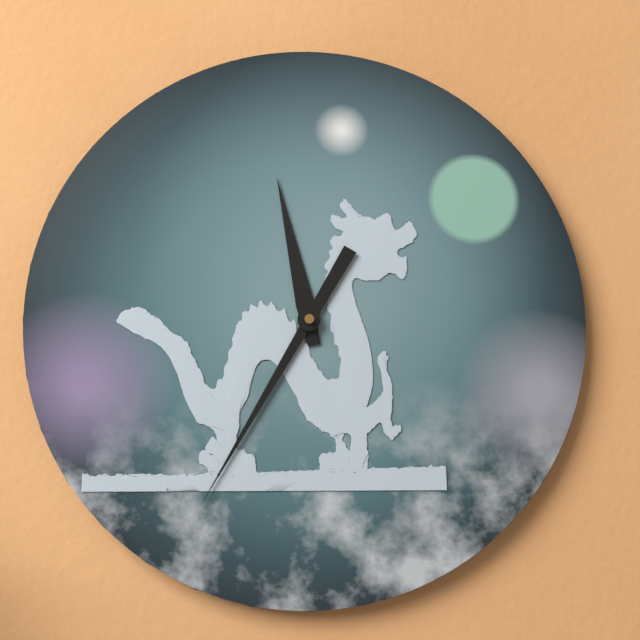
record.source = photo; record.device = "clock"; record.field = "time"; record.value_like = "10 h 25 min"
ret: 11 h 35 min
